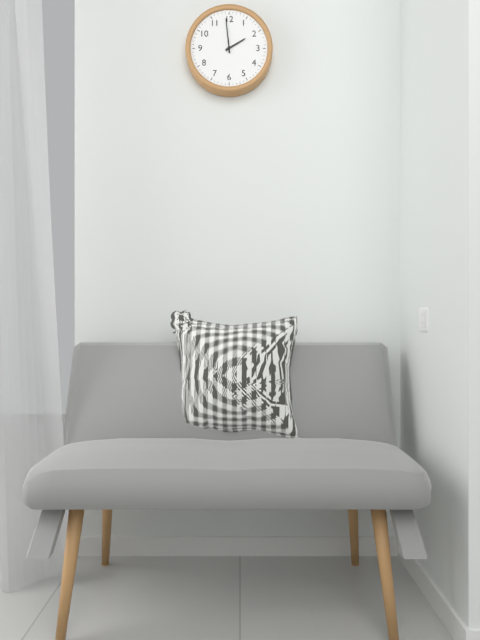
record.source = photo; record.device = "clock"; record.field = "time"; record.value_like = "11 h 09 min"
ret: 1 h 59 min
